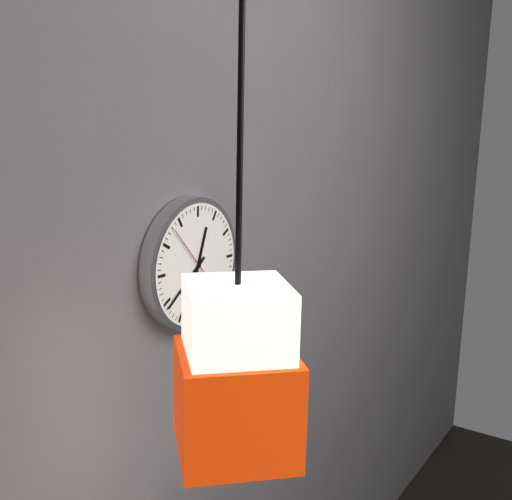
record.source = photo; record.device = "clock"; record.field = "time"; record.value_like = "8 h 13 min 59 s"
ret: 12 h 39 min 53 s
